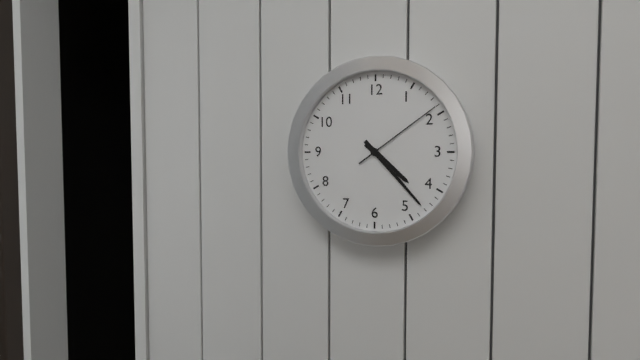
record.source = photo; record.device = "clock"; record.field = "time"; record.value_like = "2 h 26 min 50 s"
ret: 4 h 23 min 09 s
